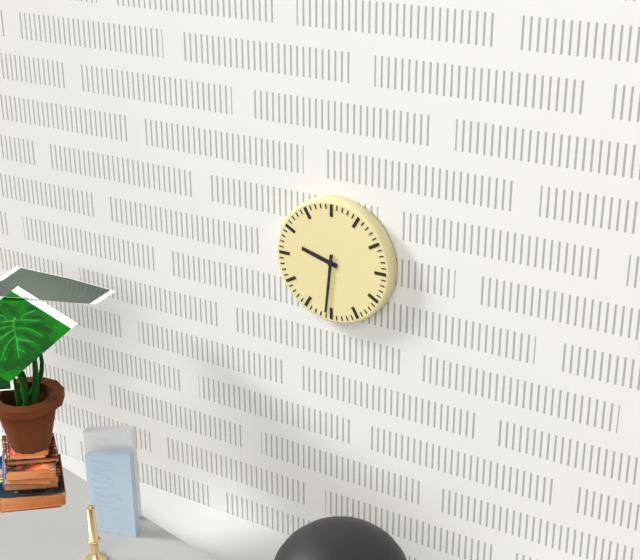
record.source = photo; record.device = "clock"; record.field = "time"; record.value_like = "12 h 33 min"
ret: 9 h 31 min
